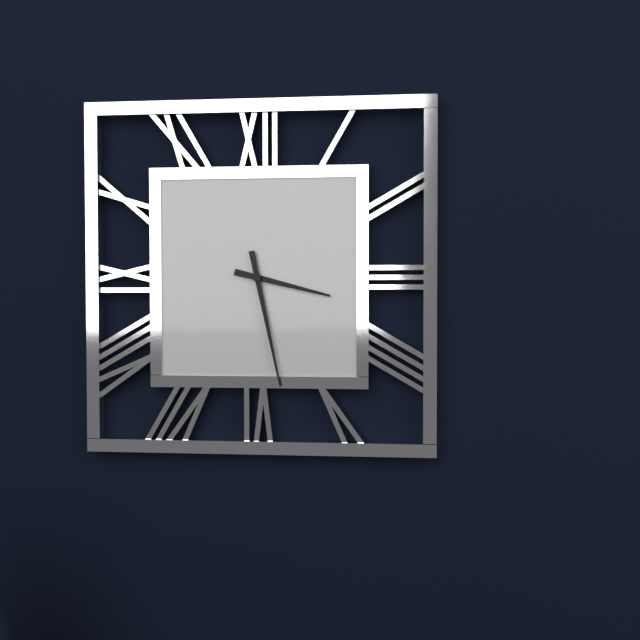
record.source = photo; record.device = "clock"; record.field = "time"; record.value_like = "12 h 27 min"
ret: 3 h 28 min
